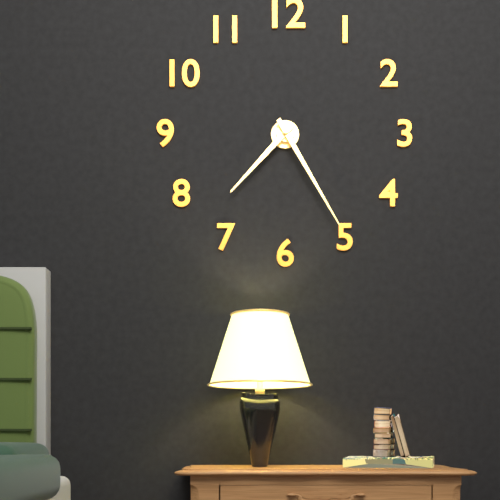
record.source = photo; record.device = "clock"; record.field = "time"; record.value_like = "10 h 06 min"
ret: 7 h 25 min
